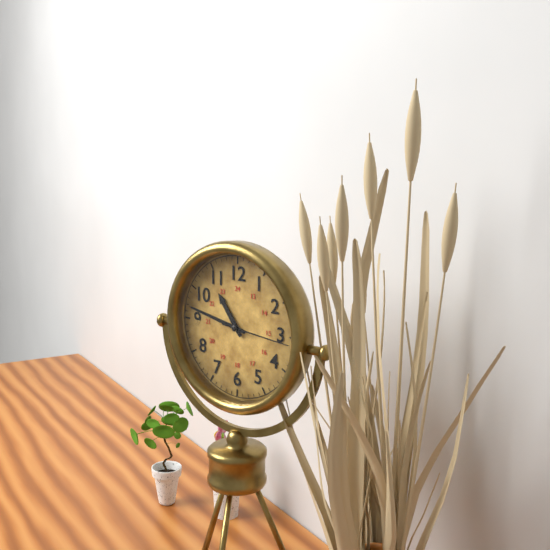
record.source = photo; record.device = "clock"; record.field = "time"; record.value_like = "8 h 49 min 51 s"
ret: 10 h 47 min 16 s
